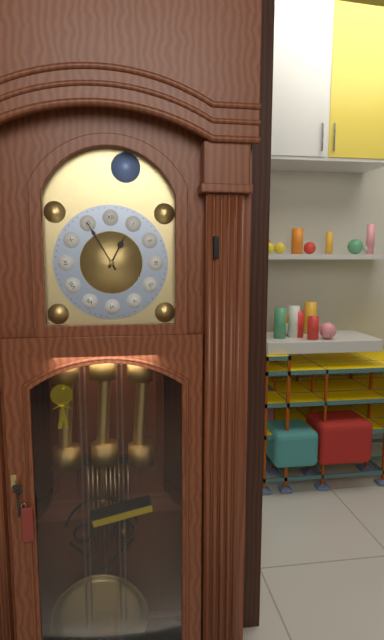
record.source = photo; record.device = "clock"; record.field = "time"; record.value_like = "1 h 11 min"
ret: 12 h 55 min
